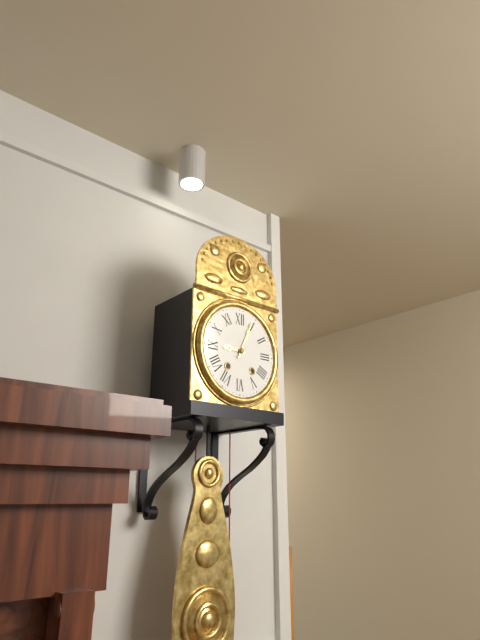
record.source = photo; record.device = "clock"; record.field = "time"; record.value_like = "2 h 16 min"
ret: 9 h 04 min
